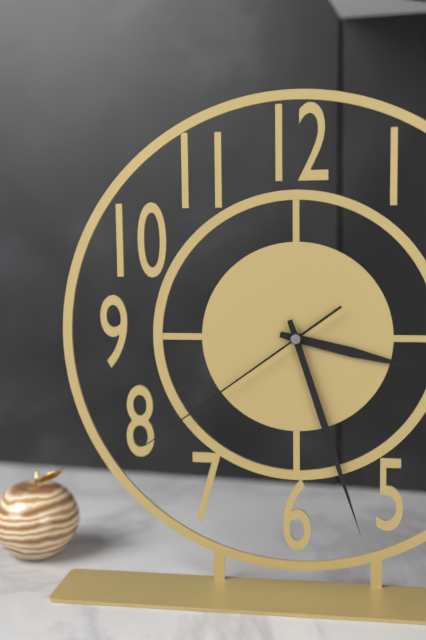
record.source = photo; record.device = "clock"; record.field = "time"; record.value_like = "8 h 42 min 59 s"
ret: 3 h 27 min 39 s
